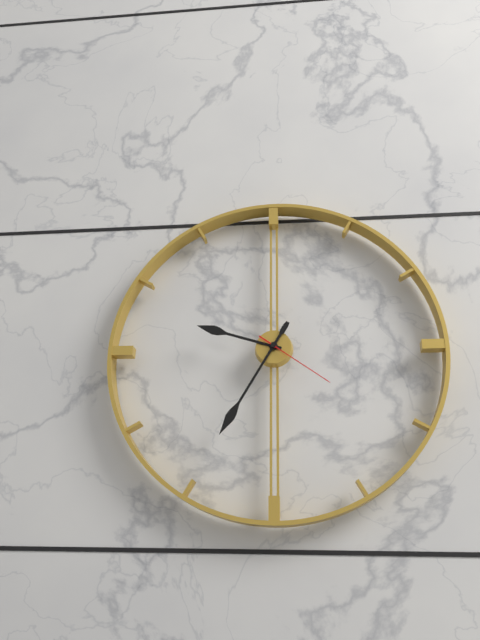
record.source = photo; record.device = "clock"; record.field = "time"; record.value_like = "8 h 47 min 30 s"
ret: 9 h 35 min 21 s
